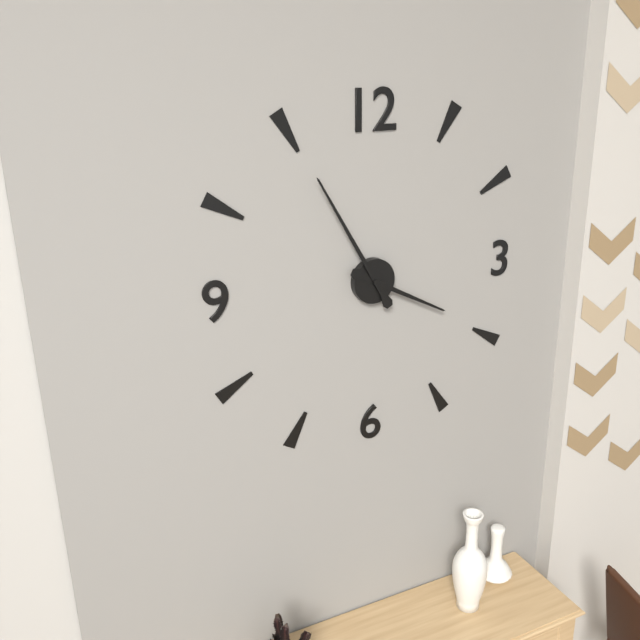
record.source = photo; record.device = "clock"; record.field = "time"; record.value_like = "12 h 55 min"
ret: 3 h 55 min
